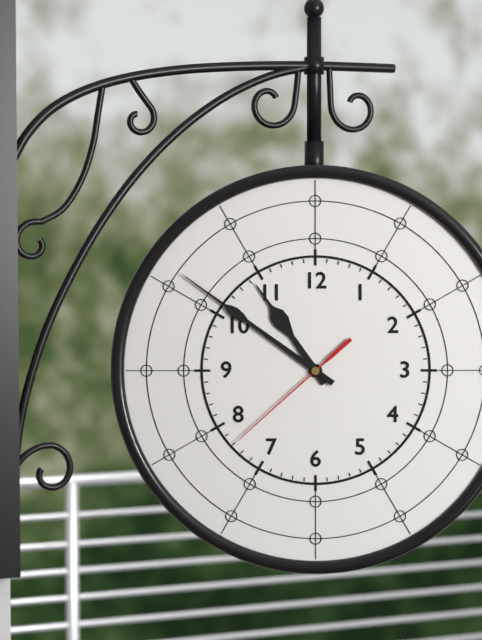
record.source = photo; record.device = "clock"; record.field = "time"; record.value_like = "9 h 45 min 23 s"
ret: 10 h 51 min 38 s
